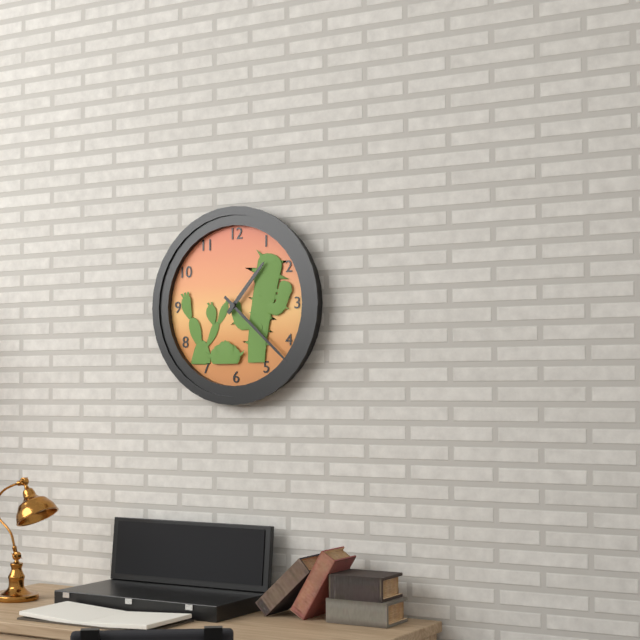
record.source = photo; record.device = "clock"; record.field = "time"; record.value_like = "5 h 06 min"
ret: 1 h 22 min
